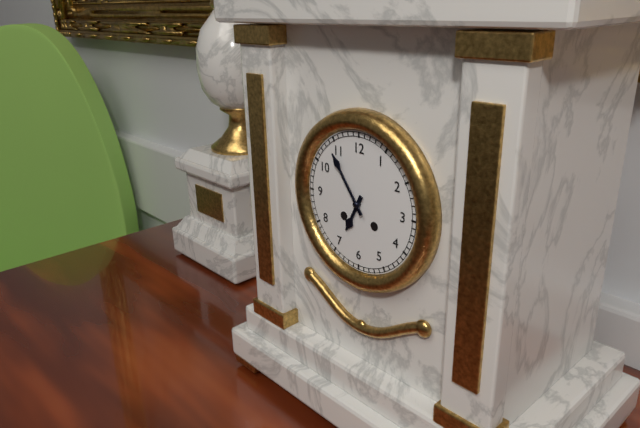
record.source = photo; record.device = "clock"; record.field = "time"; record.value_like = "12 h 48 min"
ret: 6 h 54 min
